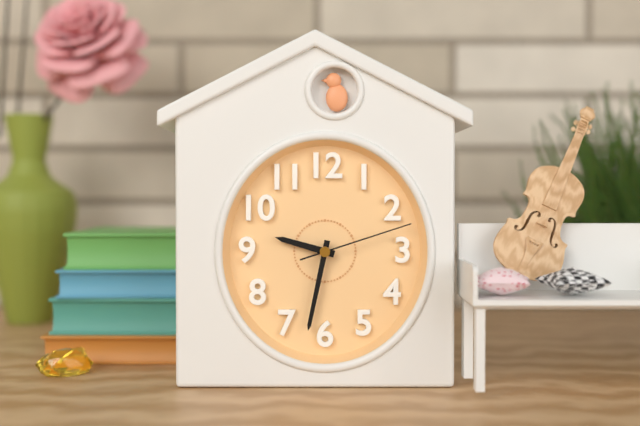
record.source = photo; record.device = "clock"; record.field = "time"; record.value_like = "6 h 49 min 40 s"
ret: 9 h 32 min 12 s
